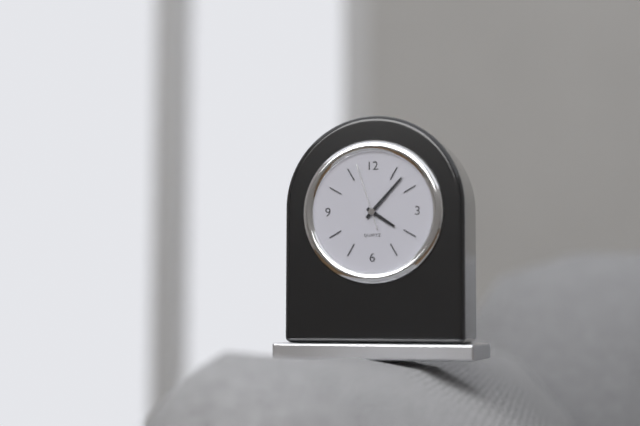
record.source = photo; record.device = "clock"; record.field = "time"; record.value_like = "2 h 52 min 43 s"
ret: 4 h 07 min 57 s
